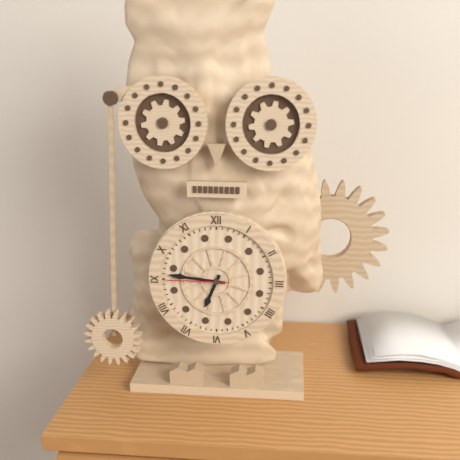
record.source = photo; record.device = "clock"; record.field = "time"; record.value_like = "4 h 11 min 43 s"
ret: 6 h 46 min 45 s
